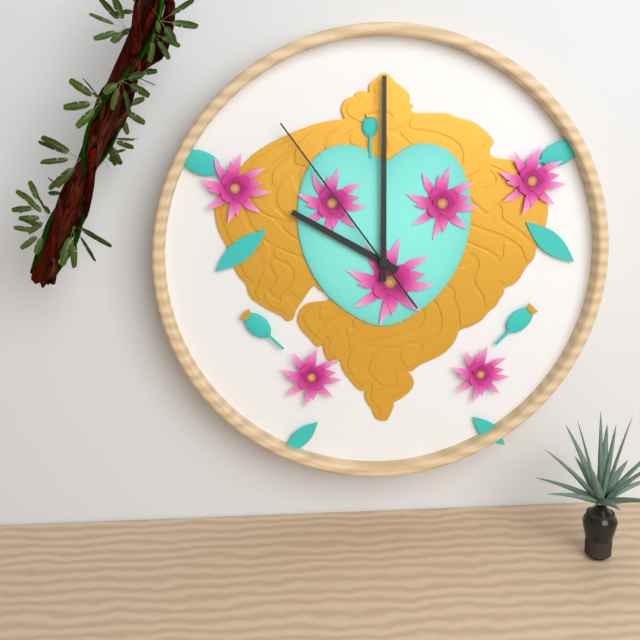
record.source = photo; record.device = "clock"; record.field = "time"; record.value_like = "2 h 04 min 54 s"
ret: 10 h 00 min 54 s
